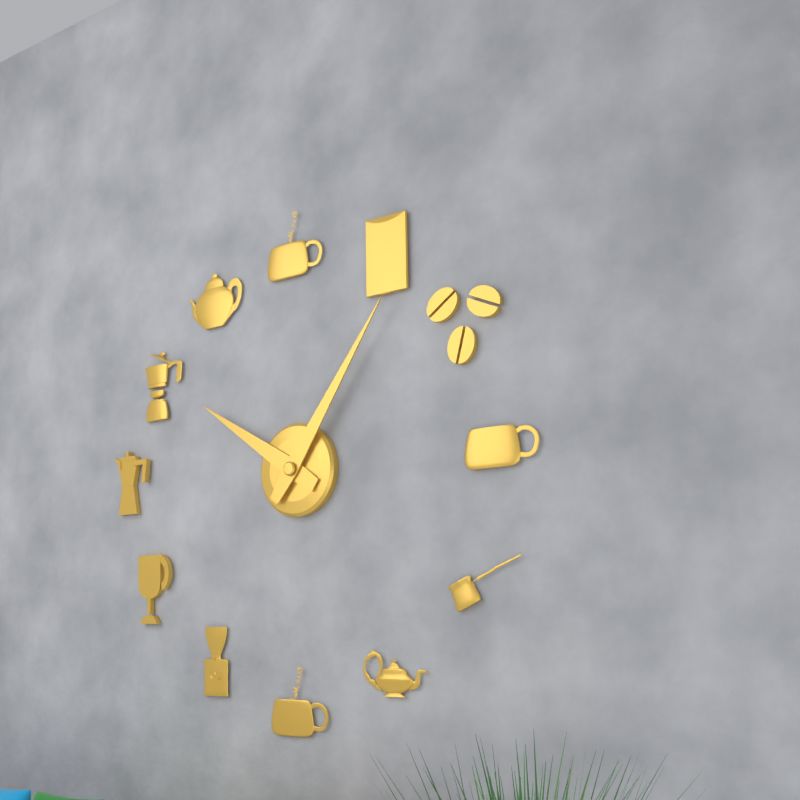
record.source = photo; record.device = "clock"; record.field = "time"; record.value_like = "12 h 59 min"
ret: 10 h 06 min
